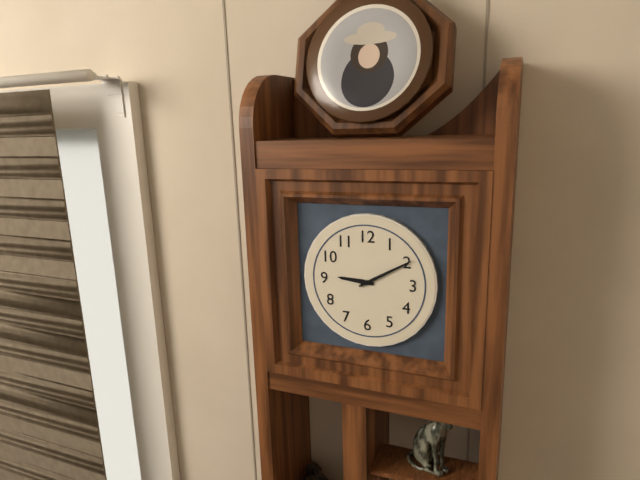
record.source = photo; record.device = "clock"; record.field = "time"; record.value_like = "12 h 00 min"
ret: 9 h 10 min
